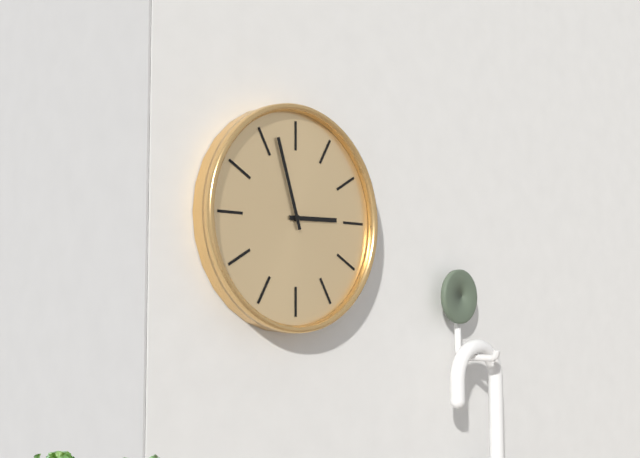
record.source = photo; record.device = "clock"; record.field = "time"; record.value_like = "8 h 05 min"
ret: 2 h 57 min
